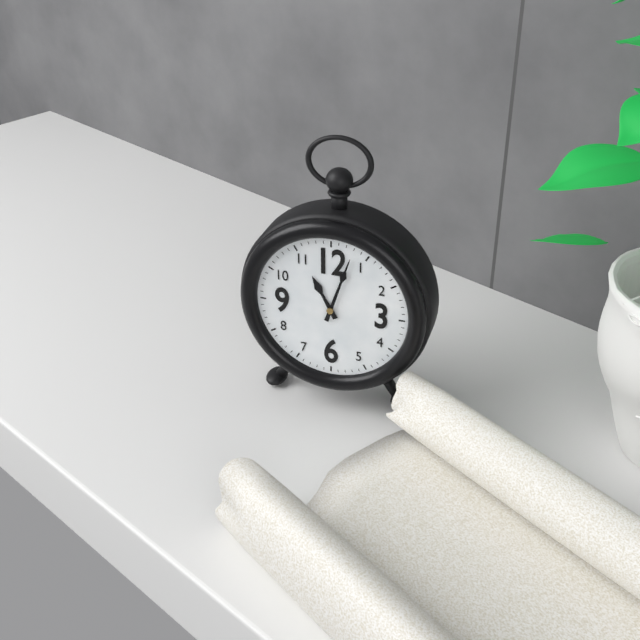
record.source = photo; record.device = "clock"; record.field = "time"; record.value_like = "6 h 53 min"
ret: 11 h 03 min
